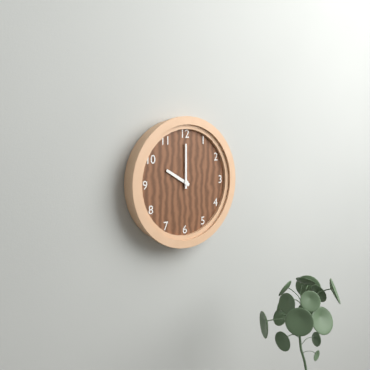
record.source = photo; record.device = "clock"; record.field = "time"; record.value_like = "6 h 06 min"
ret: 10 h 00 min
